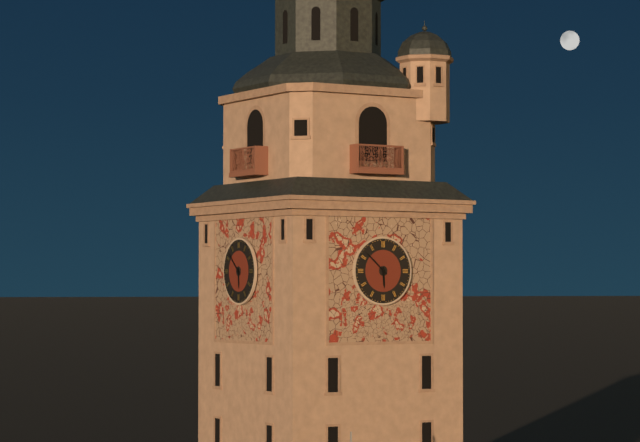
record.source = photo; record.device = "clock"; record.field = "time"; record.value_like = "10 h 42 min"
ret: 5 h 52 min
